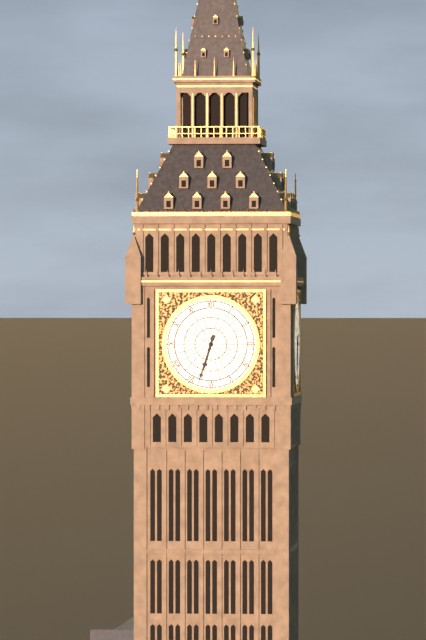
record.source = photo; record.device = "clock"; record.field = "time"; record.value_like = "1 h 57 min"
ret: 6 h 33 min
